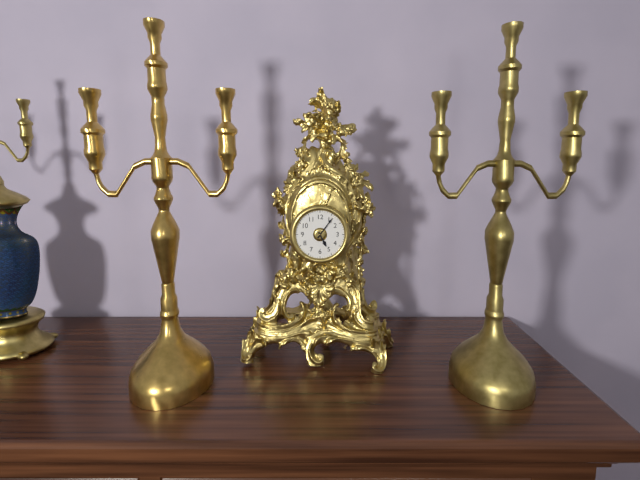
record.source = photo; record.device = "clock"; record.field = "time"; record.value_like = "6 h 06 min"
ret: 5 h 06 min
